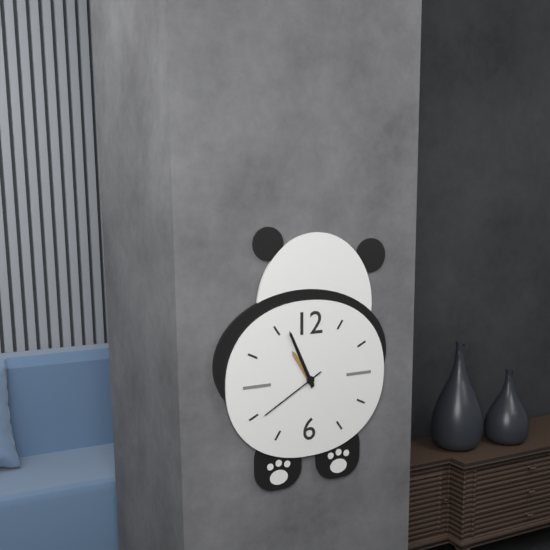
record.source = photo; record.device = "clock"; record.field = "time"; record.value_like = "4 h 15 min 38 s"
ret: 10 h 56 min 40 s
